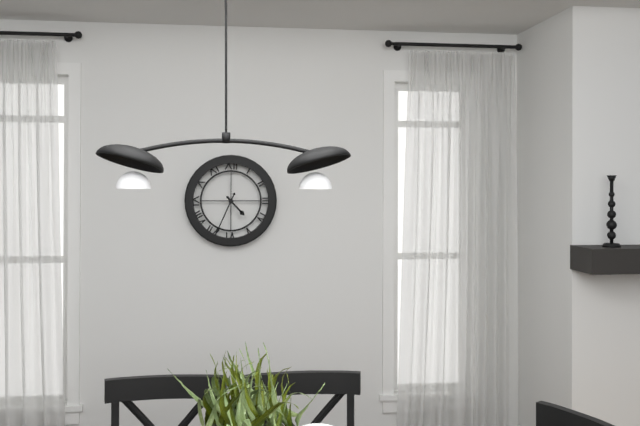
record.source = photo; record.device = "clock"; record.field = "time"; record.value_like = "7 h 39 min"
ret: 4 h 34 min
